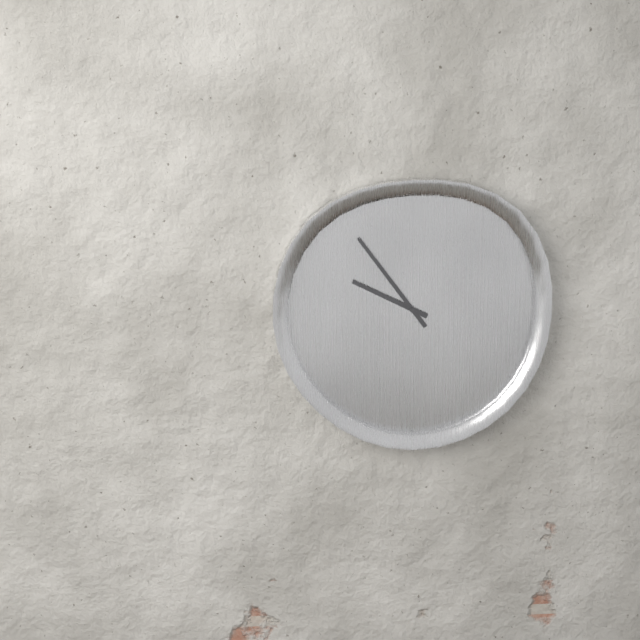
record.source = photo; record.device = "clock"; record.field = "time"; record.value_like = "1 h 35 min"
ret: 9 h 54 min
